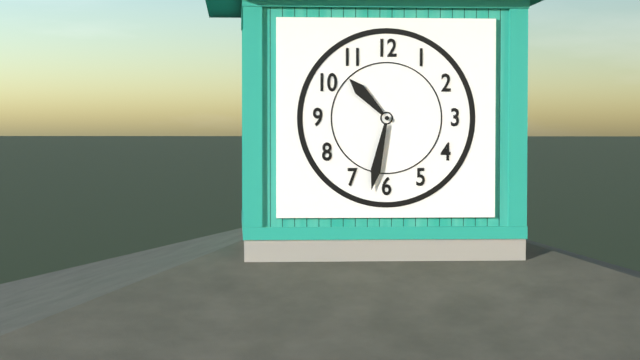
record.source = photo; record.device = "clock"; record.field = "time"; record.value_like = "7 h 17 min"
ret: 10 h 32 min
